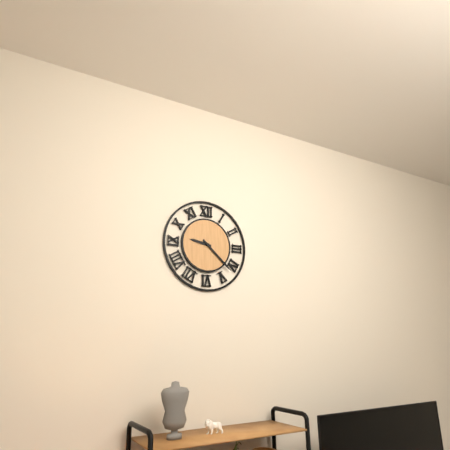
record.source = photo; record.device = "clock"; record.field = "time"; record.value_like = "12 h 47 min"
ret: 9 h 22 min
